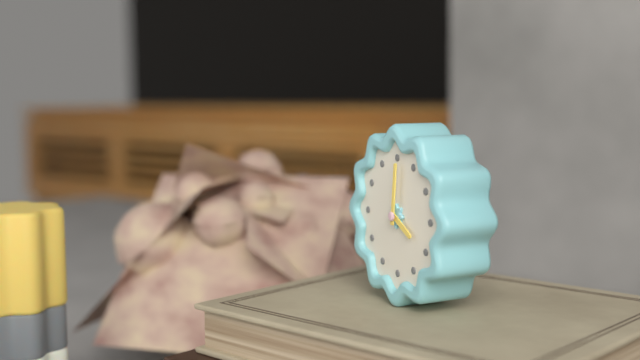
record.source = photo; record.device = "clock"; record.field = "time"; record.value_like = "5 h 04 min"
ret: 4 h 01 min
